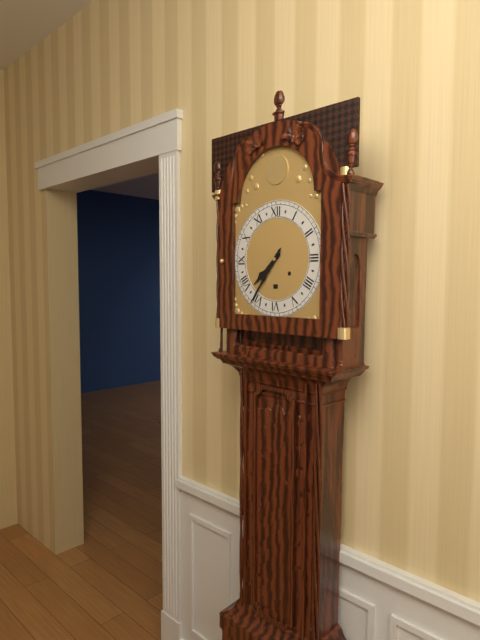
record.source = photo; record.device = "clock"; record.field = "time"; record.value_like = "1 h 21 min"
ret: 7 h 36 min
